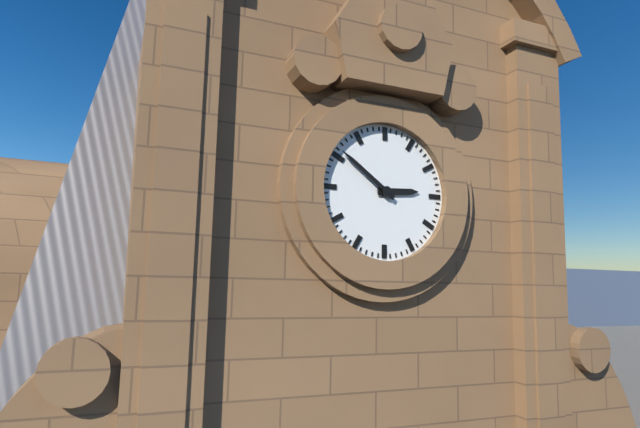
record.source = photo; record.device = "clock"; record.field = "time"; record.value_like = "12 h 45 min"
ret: 2 h 51 min
